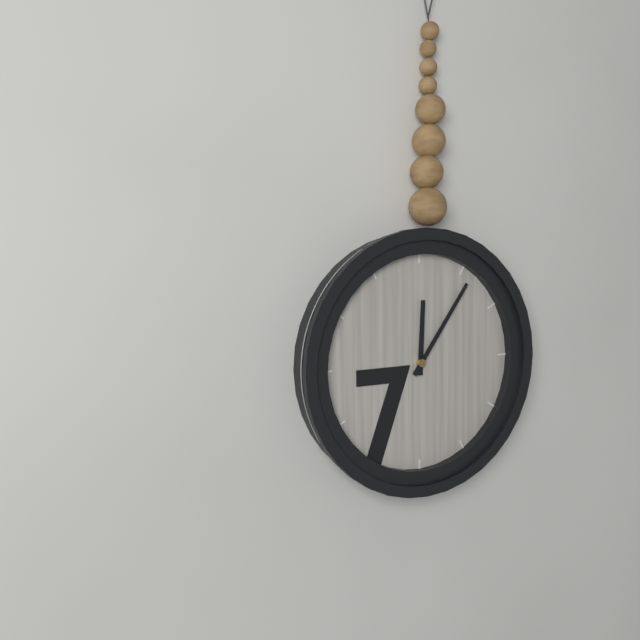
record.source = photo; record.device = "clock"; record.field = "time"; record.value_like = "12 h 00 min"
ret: 12 h 06 min
